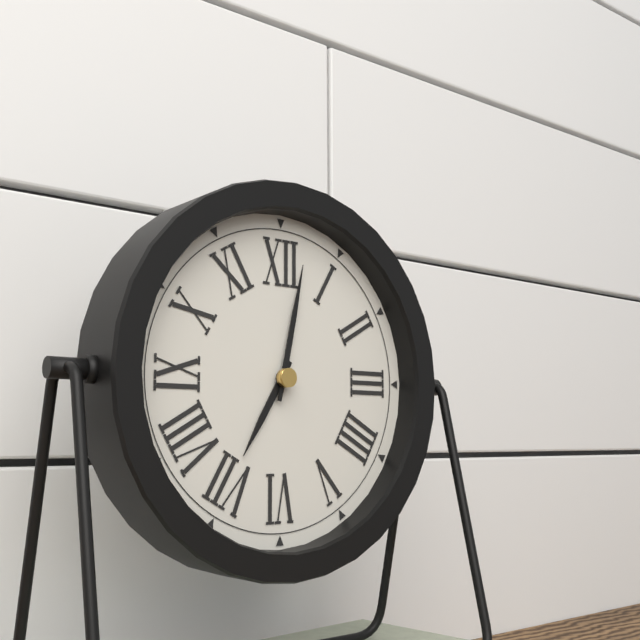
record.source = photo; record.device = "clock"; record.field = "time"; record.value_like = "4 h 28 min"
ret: 7 h 02 min
